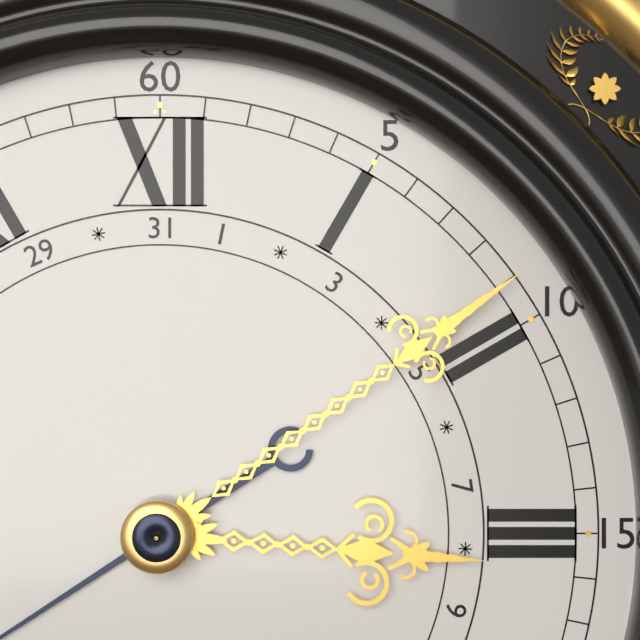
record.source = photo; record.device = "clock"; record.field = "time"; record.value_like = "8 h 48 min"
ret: 3 h 09 min
